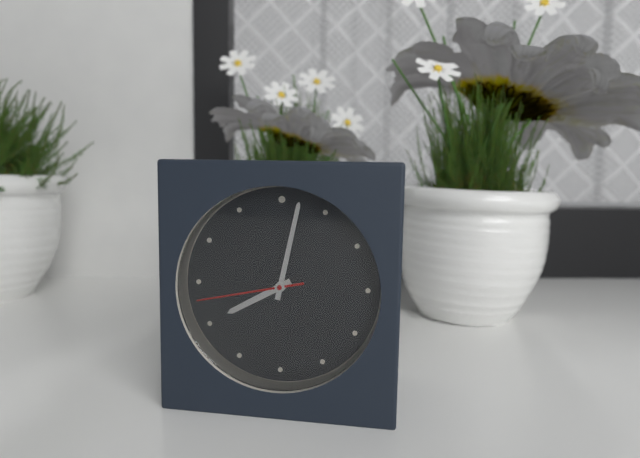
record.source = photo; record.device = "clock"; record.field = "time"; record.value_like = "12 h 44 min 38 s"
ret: 8 h 02 min 43 s
